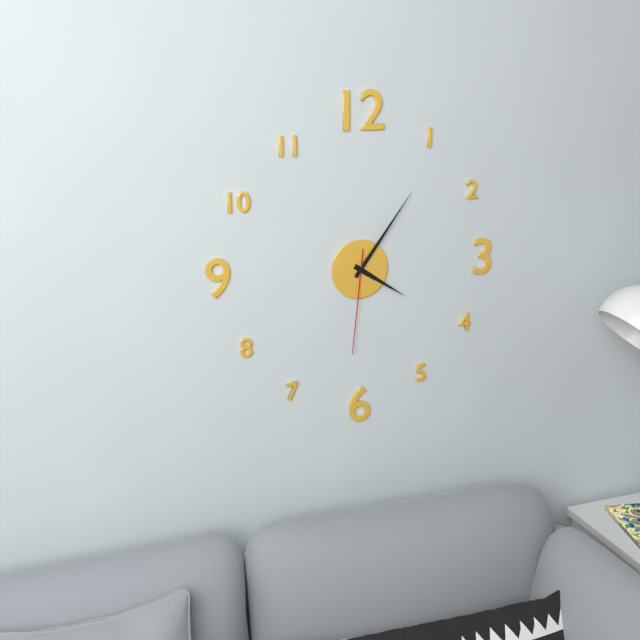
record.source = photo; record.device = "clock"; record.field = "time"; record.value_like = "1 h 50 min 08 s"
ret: 4 h 06 min 31 s
